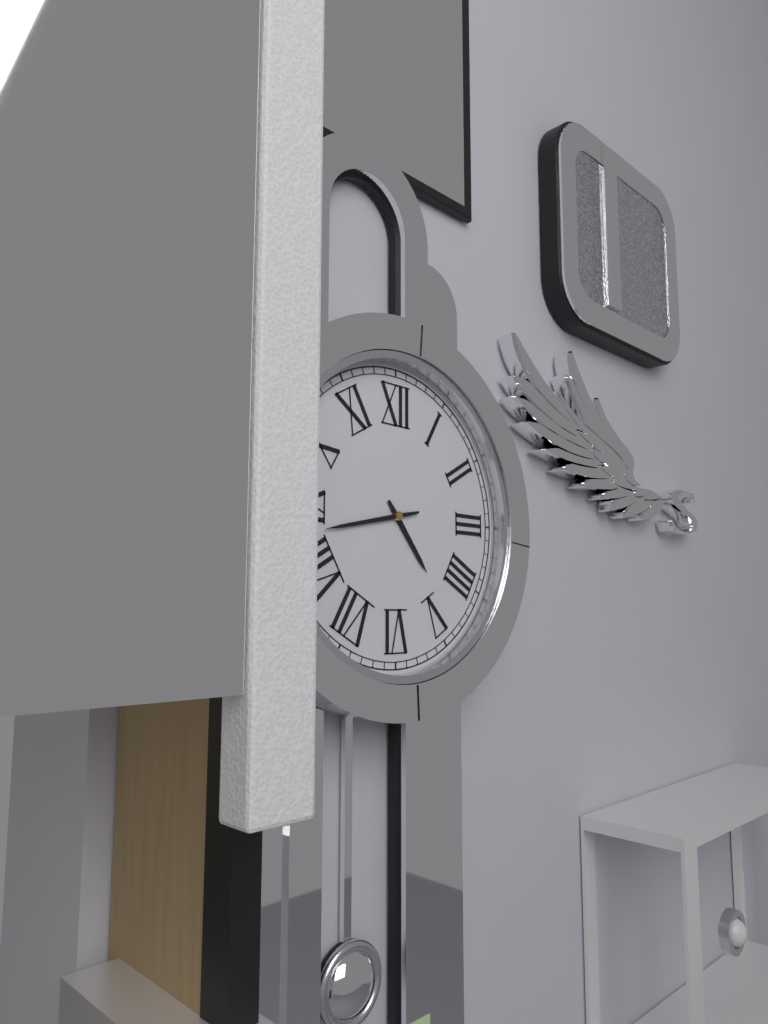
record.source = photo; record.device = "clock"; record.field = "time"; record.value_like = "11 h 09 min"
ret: 4 h 43 min
